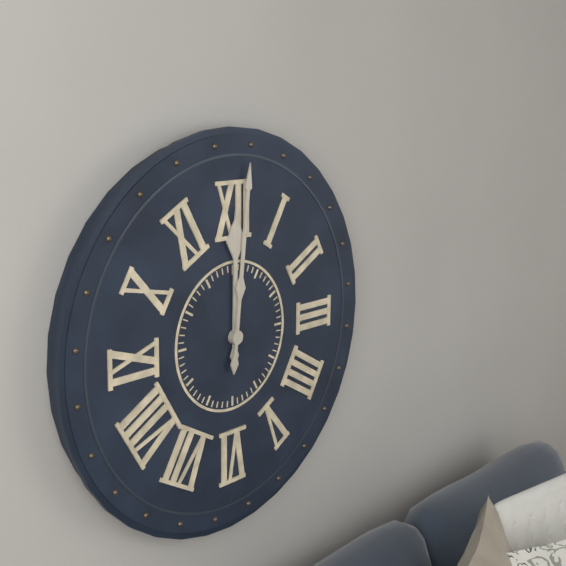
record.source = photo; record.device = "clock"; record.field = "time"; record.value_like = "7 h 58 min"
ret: 12 h 01 min
